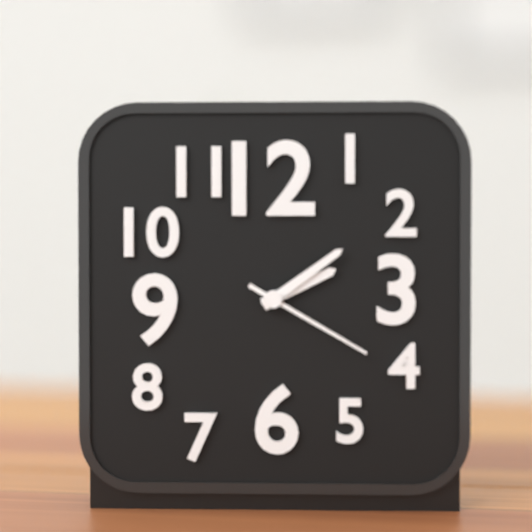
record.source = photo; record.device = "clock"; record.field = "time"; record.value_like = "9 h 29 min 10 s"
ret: 2 h 09 min 20 s
